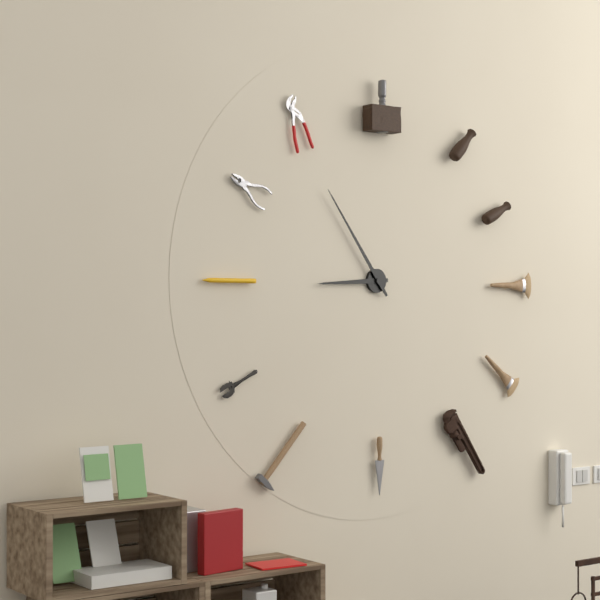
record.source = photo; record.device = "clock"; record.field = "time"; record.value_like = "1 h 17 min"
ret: 8 h 54 min
